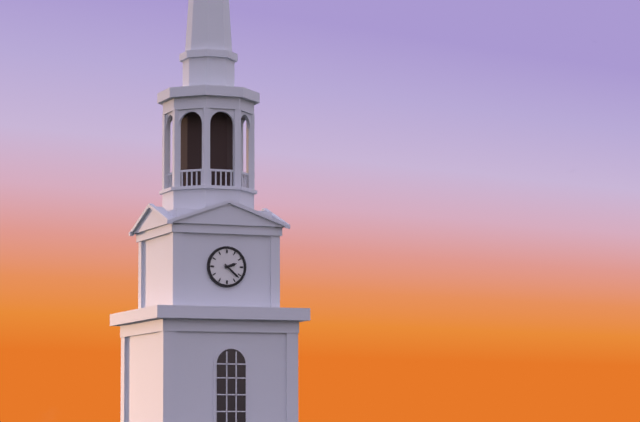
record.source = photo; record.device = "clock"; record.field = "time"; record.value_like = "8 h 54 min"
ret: 2 h 22 min
